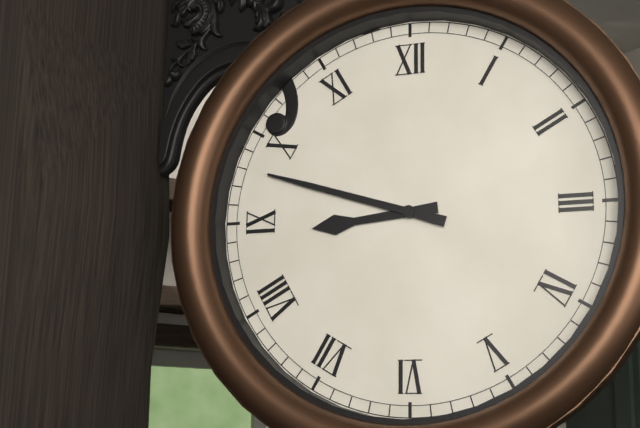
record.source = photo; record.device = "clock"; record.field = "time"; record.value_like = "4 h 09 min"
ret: 8 h 48 min
